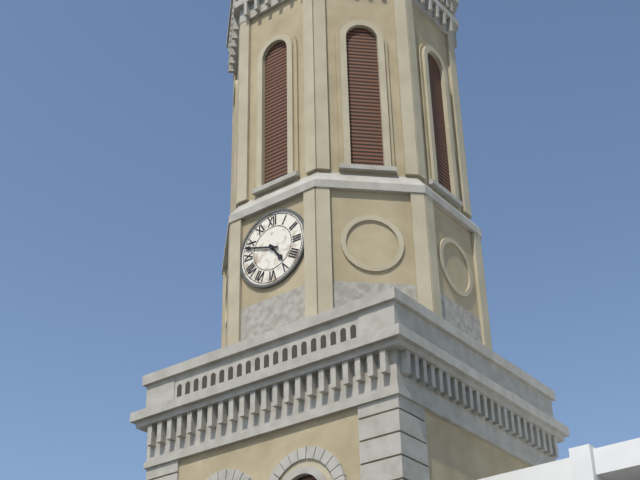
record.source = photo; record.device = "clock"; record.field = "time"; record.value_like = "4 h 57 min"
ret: 4 h 48 min
